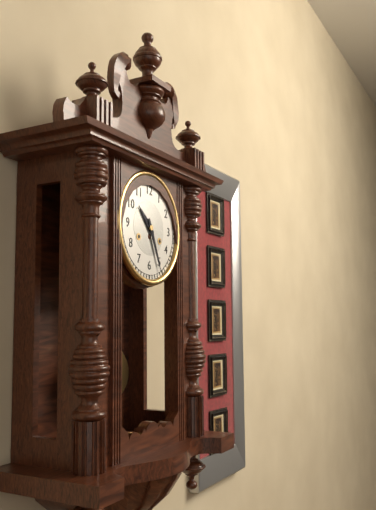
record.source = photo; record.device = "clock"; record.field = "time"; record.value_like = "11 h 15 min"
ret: 10 h 26 min
